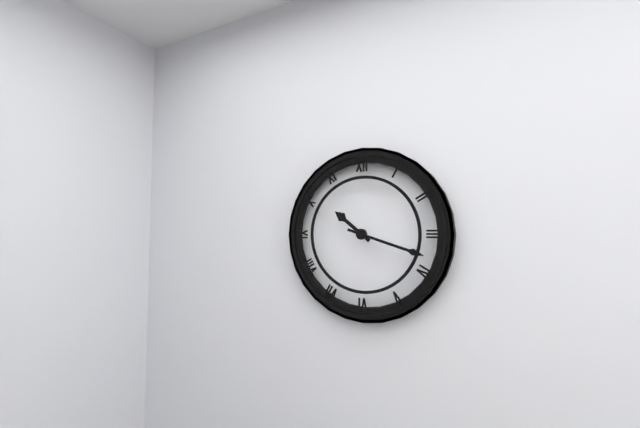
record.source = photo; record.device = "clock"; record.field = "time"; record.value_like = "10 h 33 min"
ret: 10 h 18 min
